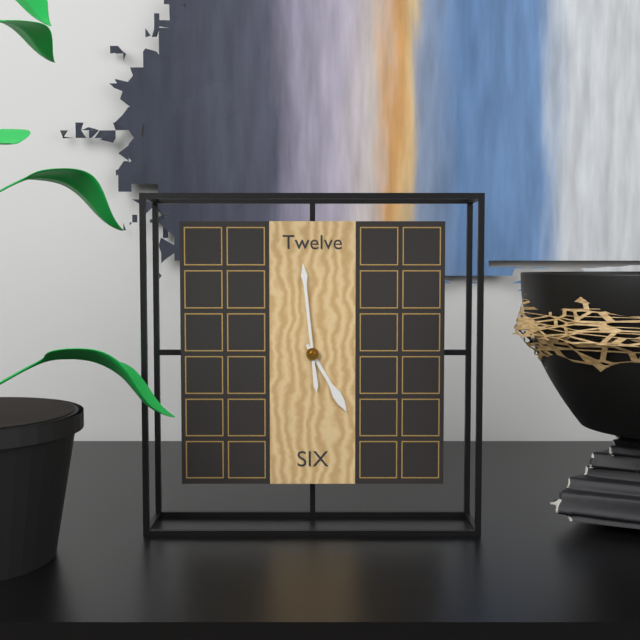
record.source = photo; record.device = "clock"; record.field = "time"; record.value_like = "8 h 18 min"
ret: 4 h 59 min
